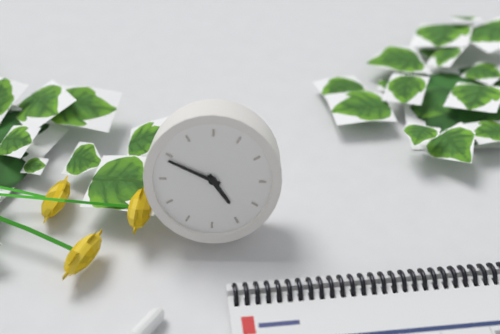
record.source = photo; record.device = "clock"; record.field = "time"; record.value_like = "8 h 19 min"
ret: 4 h 49 min
